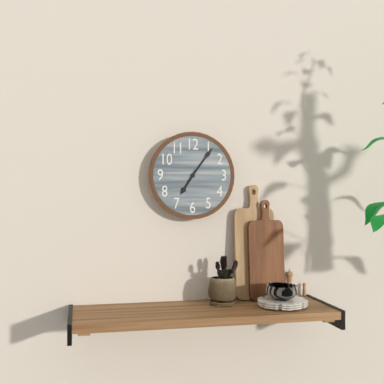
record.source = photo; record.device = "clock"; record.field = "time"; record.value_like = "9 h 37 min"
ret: 7 h 06 min
